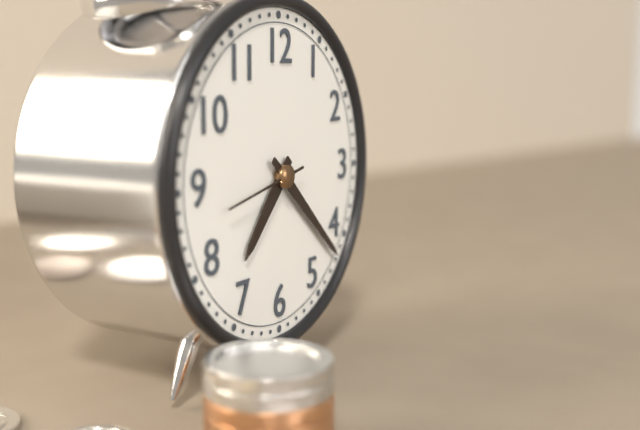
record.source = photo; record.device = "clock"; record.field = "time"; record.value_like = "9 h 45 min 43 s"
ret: 7 h 22 min 43 s
